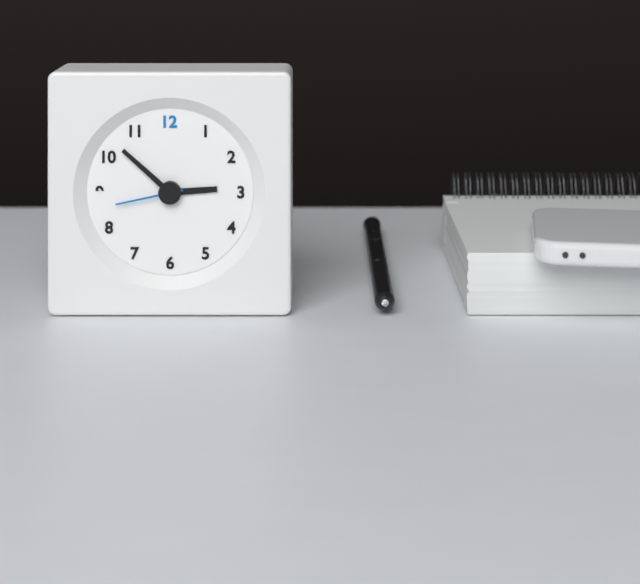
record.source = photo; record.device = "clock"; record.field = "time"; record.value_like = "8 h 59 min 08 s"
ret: 2 h 52 min 43 s
